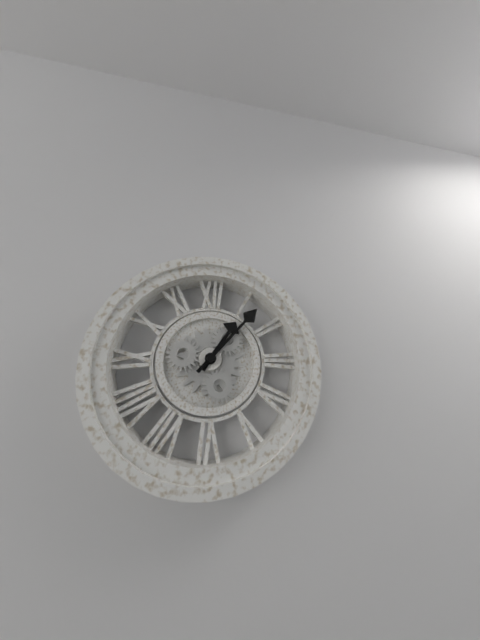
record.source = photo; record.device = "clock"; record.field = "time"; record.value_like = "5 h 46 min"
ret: 1 h 07 min
